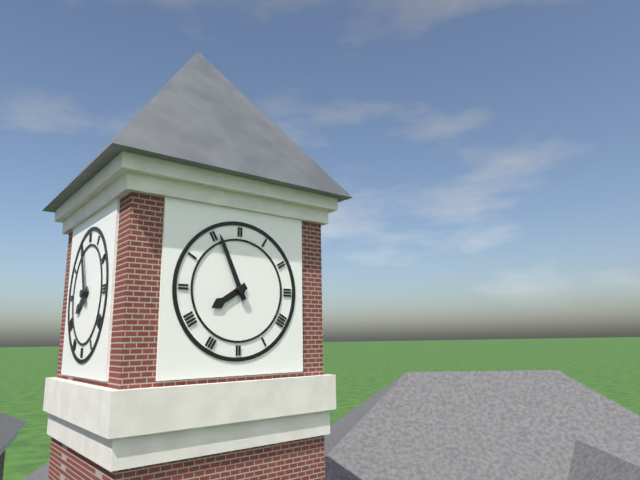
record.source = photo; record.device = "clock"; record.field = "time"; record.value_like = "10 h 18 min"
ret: 7 h 56 min
